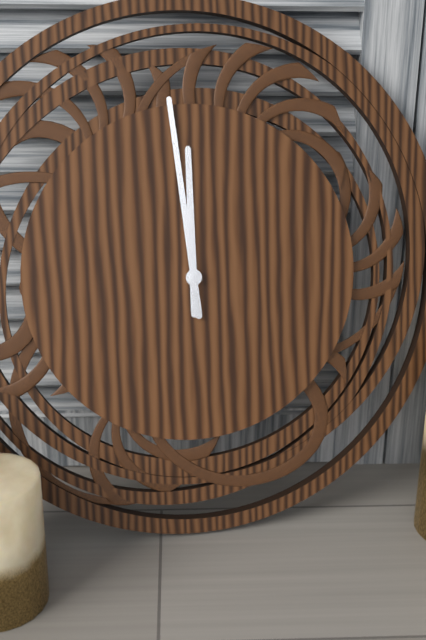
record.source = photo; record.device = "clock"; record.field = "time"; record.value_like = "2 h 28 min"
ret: 11 h 59 min
